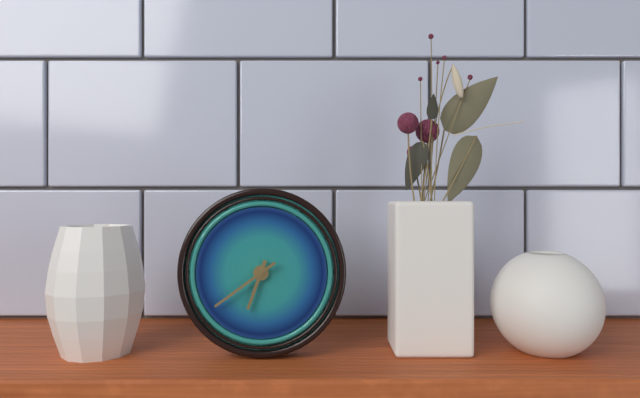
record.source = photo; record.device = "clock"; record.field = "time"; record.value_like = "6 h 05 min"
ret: 6 h 39 min
